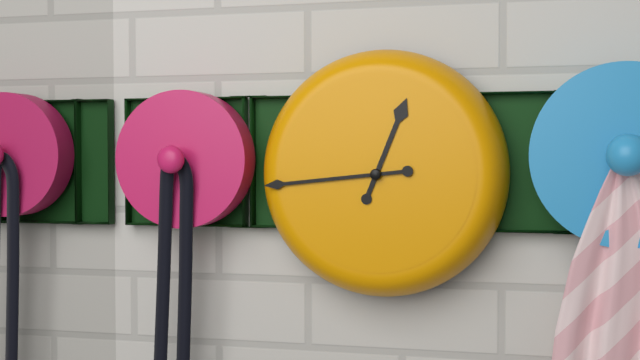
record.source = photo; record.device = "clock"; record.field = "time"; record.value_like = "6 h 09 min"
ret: 12 h 44 min
